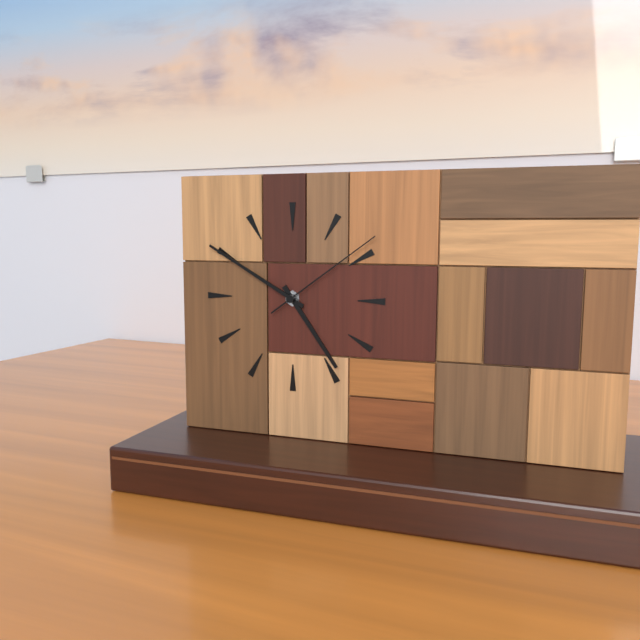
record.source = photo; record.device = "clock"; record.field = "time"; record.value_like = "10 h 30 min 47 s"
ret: 4 h 50 min 09 s
